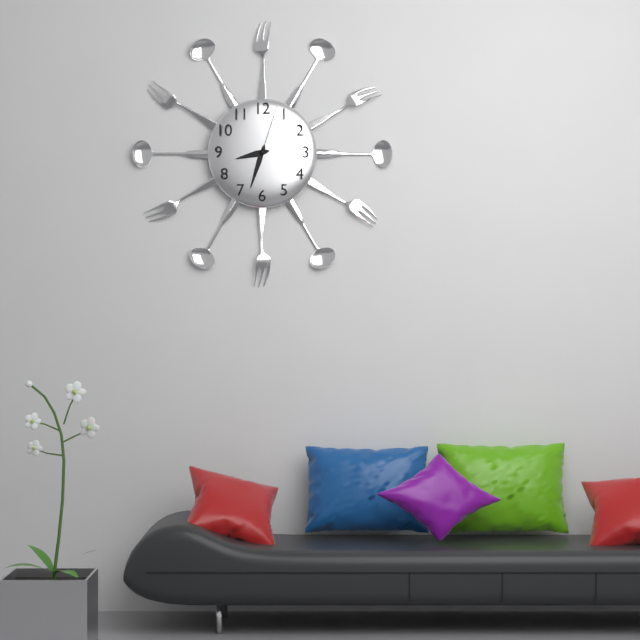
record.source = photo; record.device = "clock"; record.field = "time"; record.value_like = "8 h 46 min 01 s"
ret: 8 h 33 min 03 s
